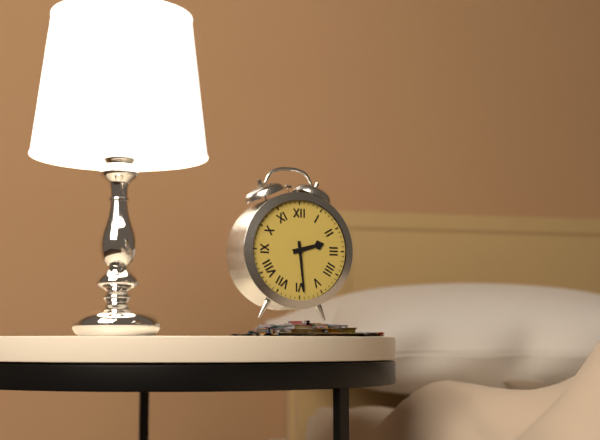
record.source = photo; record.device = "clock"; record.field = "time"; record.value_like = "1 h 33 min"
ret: 2 h 29 min
